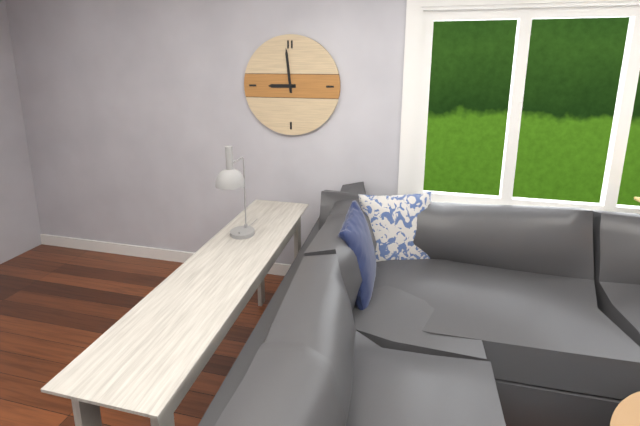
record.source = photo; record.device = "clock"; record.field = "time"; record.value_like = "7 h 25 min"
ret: 8 h 59 min
